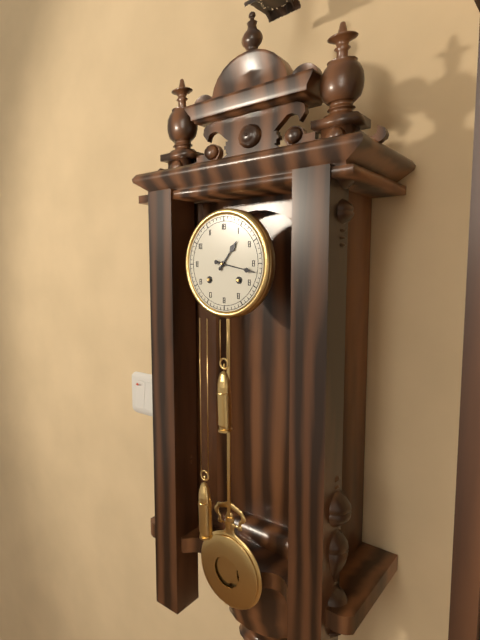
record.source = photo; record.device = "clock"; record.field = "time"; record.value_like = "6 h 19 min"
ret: 1 h 17 min
